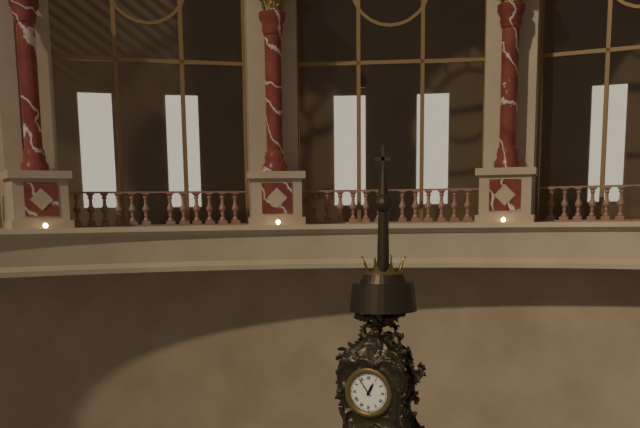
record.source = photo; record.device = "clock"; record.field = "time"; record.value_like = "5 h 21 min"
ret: 12 h 54 min
